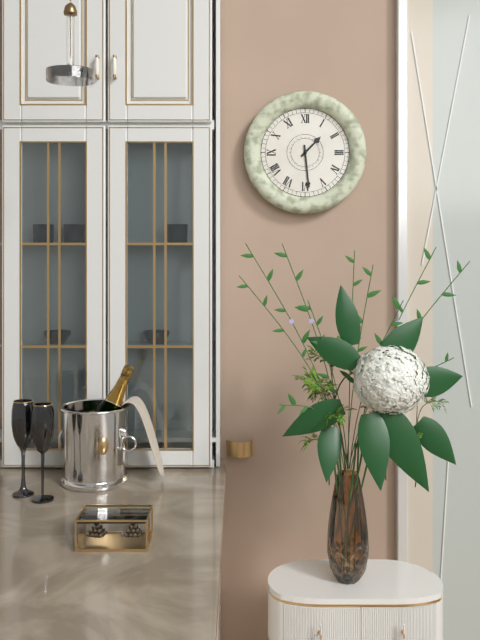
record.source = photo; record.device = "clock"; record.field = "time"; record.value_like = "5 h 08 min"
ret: 1 h 29 min
